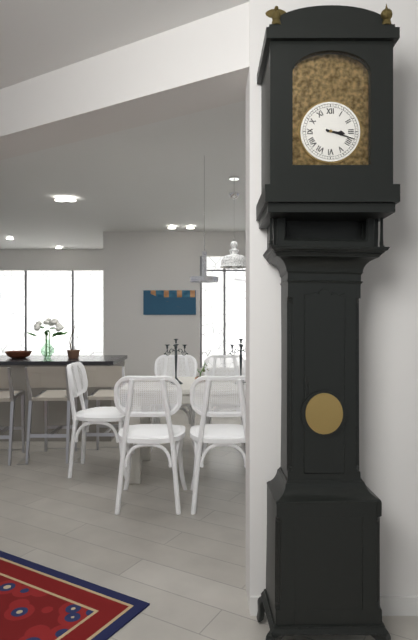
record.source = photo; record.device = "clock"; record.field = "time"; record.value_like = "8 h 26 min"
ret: 3 h 18 min
